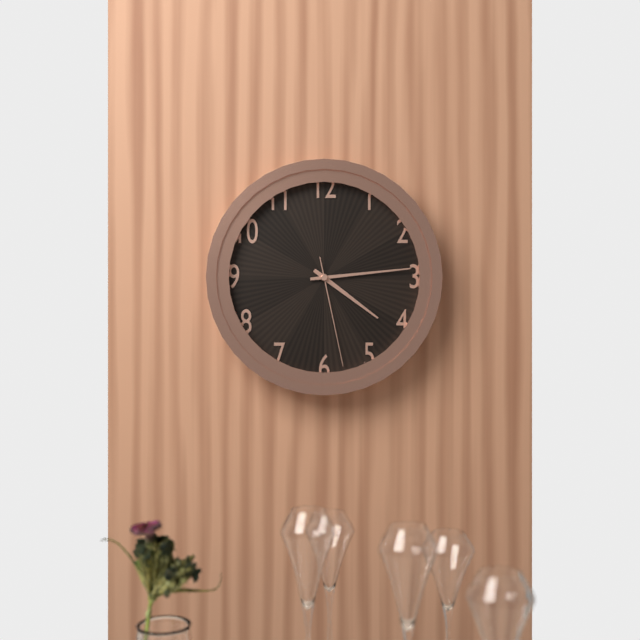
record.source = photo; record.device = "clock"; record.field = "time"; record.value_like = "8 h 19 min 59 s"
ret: 4 h 14 min 28 s
